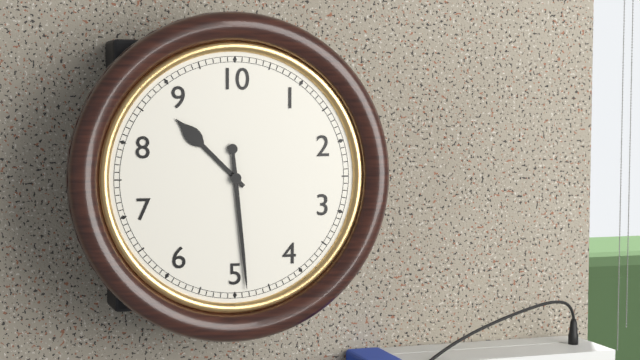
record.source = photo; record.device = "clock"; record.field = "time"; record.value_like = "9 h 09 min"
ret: 10 h 29 min
